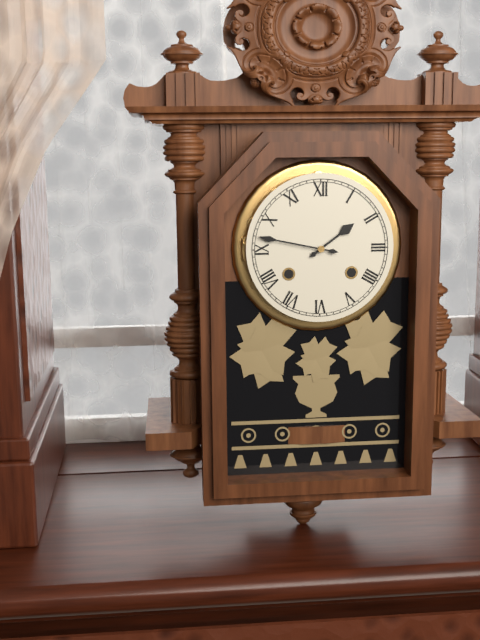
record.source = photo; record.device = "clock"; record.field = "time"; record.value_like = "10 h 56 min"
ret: 1 h 47 min
